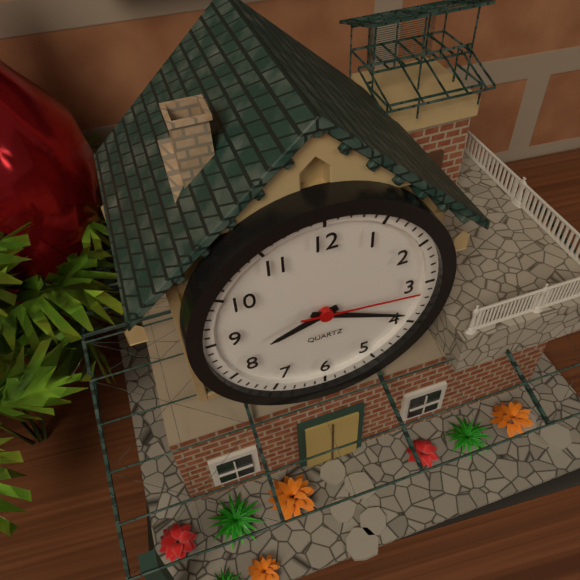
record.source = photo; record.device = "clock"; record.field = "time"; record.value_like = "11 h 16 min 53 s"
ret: 8 h 19 min 16 s
